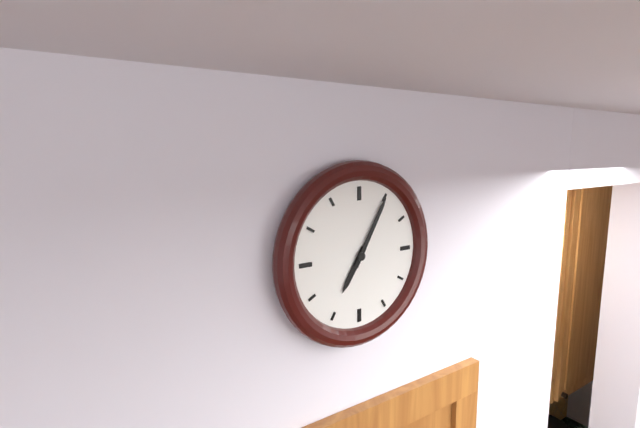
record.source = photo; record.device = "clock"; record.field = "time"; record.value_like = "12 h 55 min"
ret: 7 h 05 min
